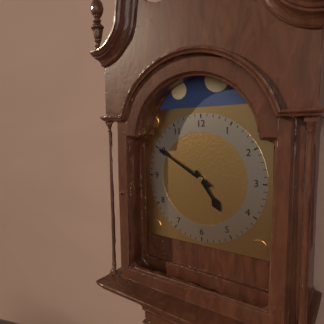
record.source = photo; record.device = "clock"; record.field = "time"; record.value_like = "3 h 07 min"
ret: 4 h 50 min
